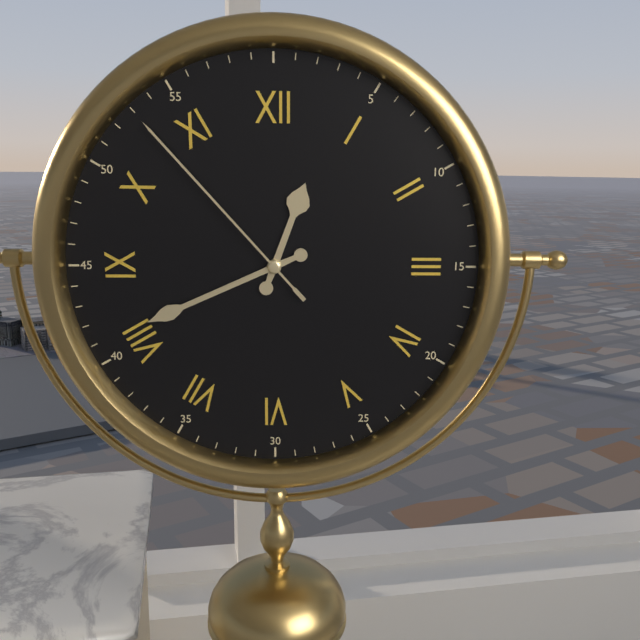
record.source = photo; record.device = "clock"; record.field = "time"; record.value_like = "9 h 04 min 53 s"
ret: 12 h 41 min 53 s
